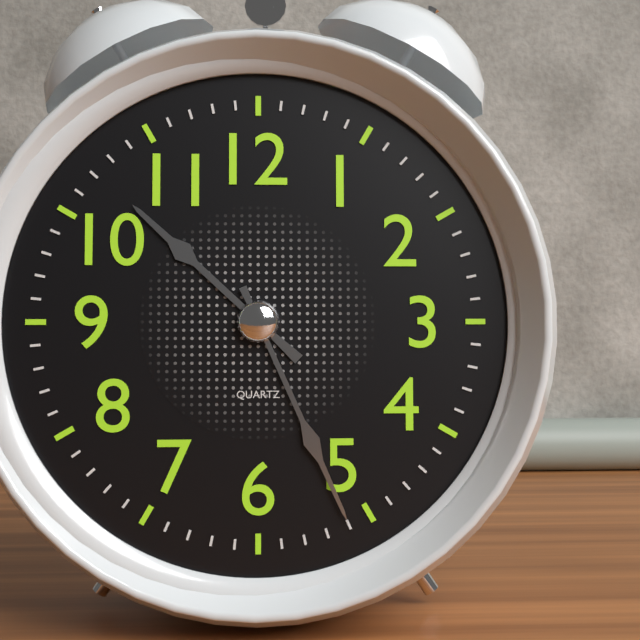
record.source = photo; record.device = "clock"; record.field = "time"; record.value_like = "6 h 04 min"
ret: 10 h 26 min
